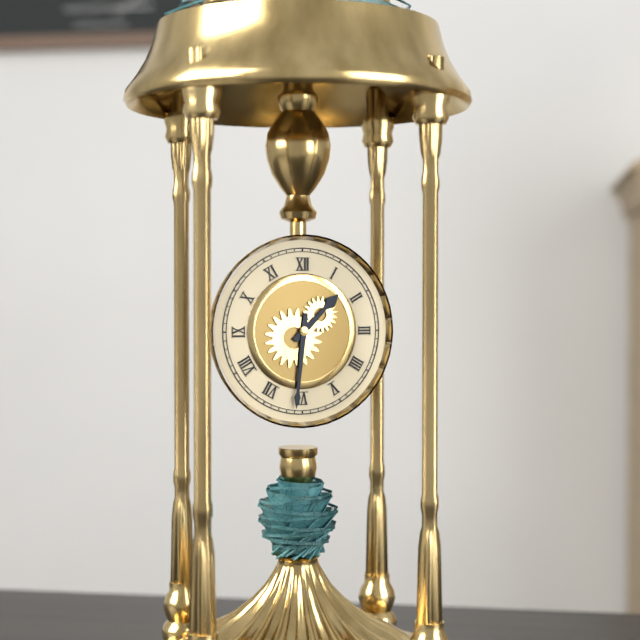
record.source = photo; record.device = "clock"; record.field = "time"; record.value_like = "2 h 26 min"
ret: 1 h 31 min
